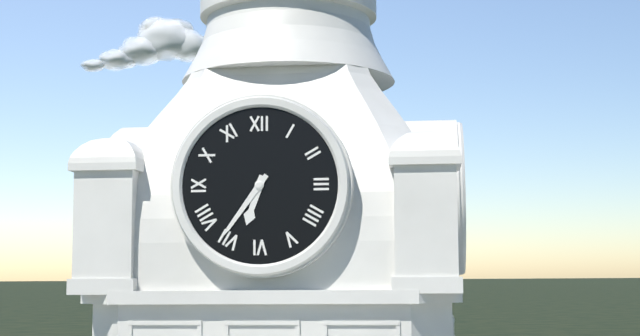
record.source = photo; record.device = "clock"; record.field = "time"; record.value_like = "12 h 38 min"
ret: 6 h 36 min
